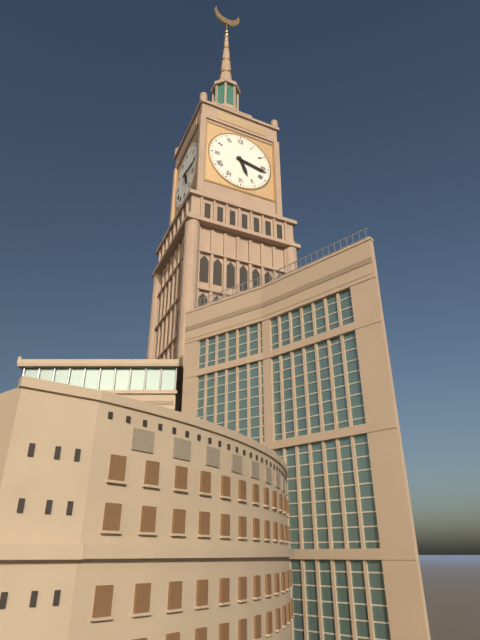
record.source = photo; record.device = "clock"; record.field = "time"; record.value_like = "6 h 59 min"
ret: 5 h 17 min
